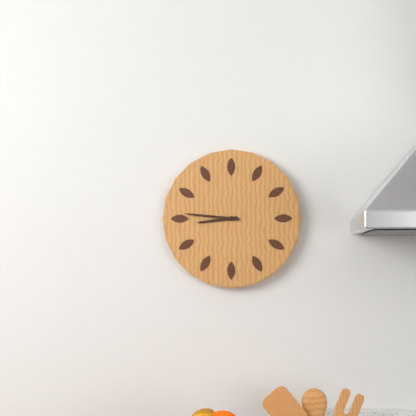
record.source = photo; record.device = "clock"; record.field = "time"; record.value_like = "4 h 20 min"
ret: 8 h 46 min
